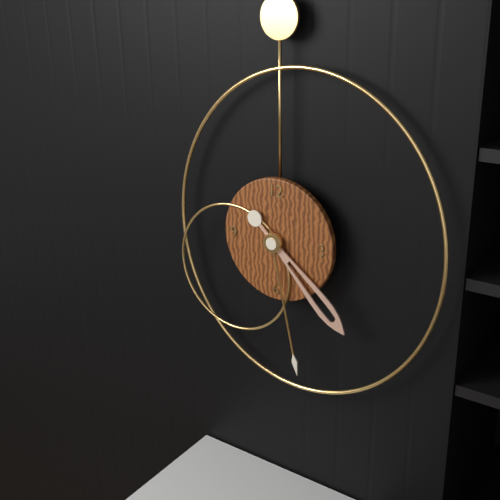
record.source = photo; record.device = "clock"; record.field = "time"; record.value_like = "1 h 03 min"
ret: 4 h 28 min
